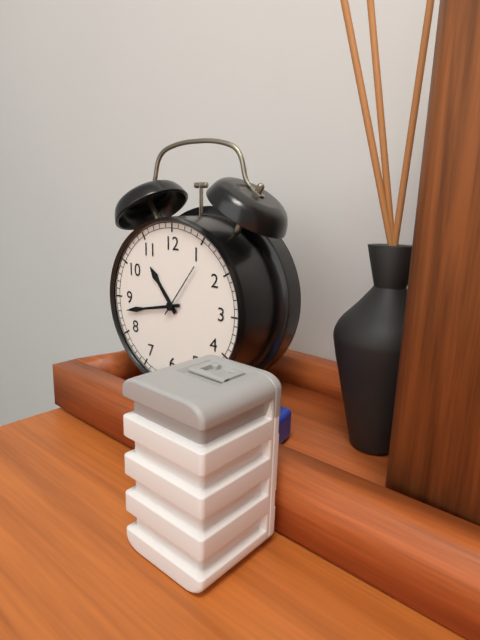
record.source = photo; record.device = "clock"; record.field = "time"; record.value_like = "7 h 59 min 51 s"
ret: 10 h 43 min 06 s
